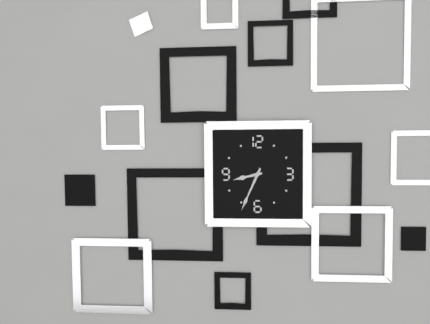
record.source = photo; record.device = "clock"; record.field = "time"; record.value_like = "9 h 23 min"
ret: 8 h 34 min
